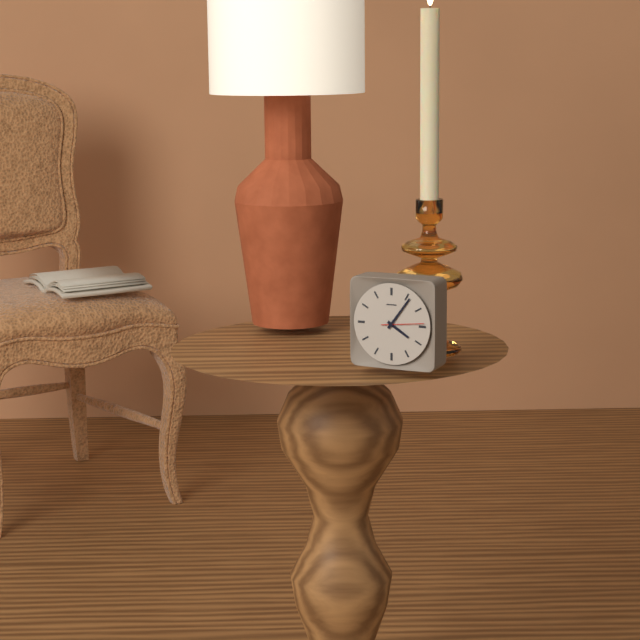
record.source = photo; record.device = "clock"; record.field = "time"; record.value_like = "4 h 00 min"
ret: 4 h 06 min
